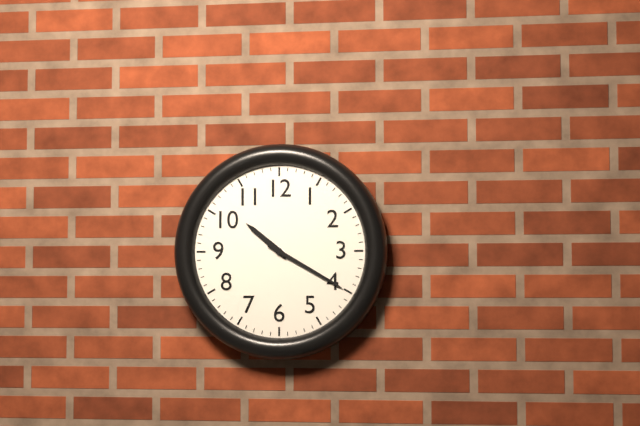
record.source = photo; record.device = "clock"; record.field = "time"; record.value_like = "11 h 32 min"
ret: 10 h 20 min
